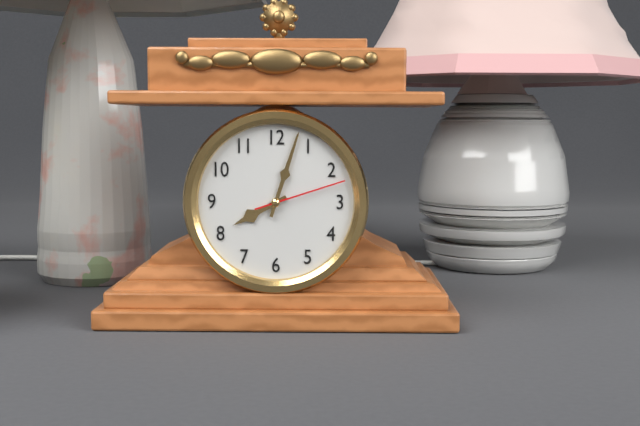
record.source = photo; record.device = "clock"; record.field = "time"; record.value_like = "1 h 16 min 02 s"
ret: 8 h 03 min 12 s
